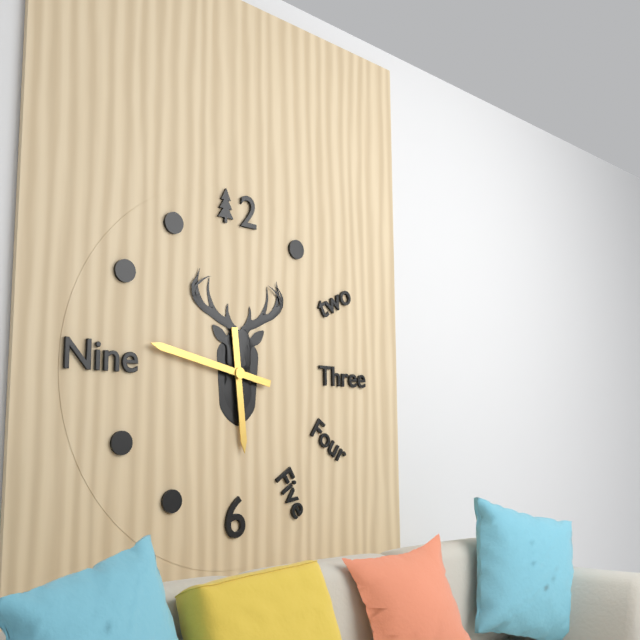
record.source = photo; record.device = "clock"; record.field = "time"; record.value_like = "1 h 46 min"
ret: 5 h 47 min
